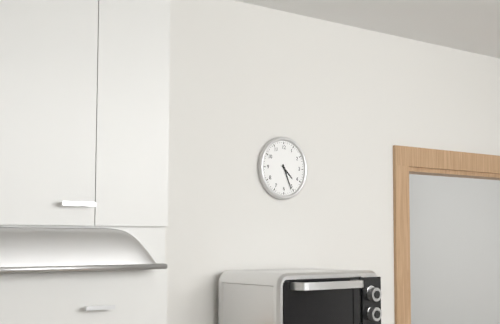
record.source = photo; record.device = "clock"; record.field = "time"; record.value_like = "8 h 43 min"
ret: 4 h 26 min
